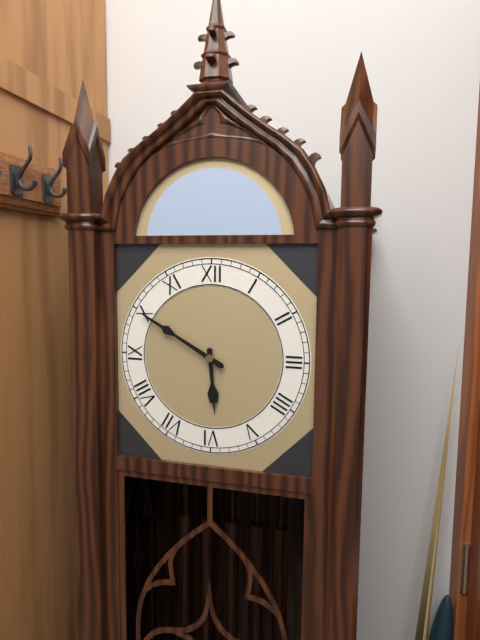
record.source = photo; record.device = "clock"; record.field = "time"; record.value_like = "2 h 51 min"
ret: 5 h 50 min
